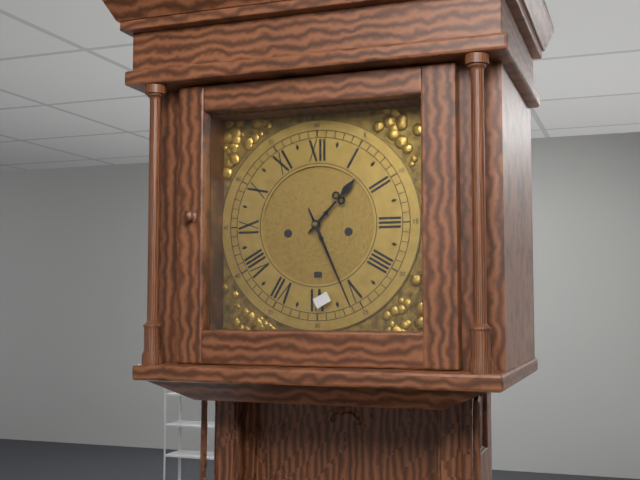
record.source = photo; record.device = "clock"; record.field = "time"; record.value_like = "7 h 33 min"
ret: 1 h 26 min
